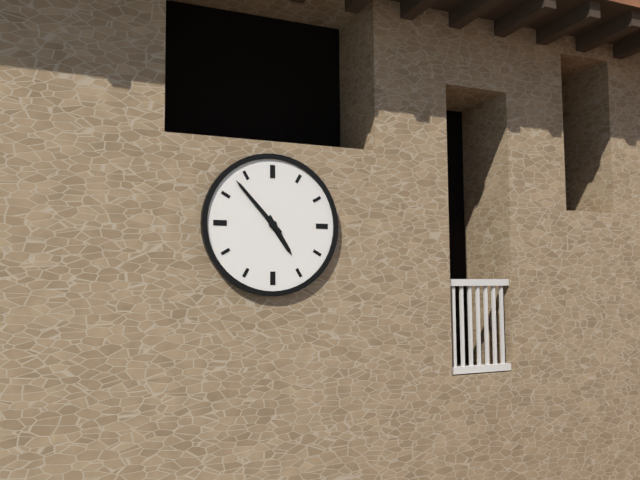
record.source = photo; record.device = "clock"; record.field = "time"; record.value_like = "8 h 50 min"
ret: 4 h 53 min
